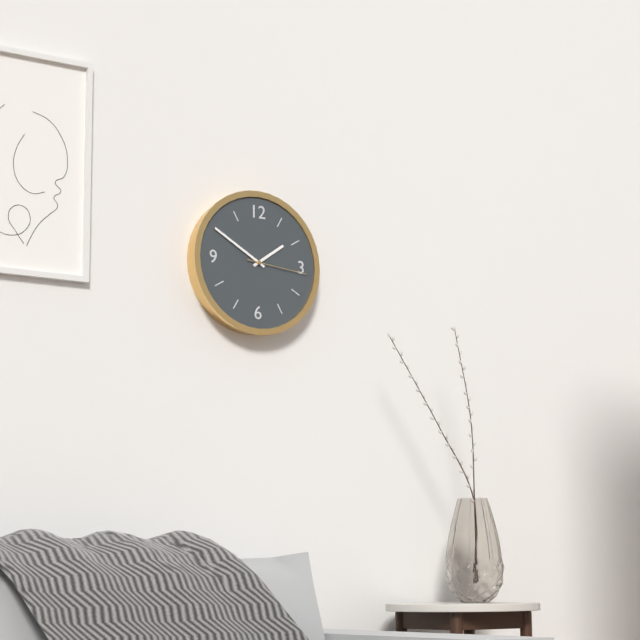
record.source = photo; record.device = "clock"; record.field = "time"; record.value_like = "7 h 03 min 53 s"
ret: 1 h 50 min 16 s
